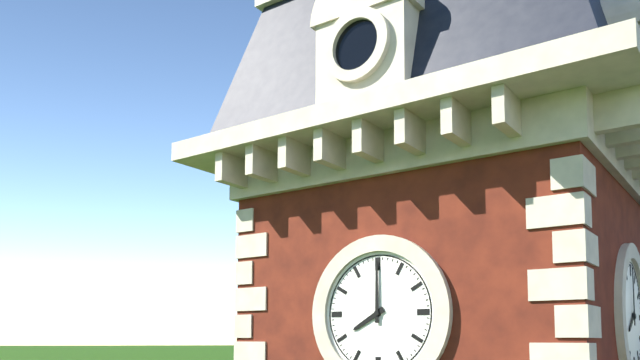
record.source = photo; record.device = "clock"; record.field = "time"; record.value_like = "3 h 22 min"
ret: 8 h 00 min
